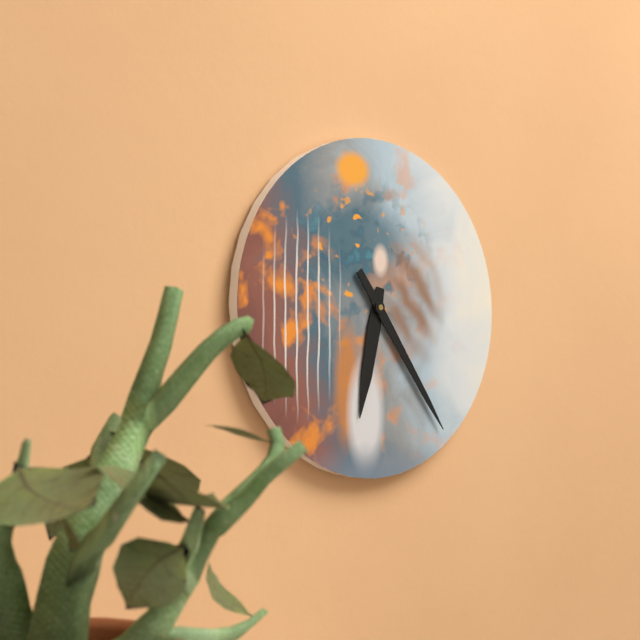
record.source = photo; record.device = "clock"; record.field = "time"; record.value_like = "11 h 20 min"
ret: 6 h 24 min
